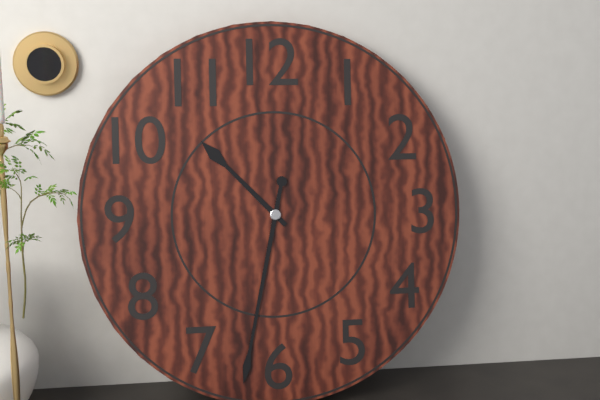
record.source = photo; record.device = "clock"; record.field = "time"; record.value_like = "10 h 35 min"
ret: 10 h 32 min
